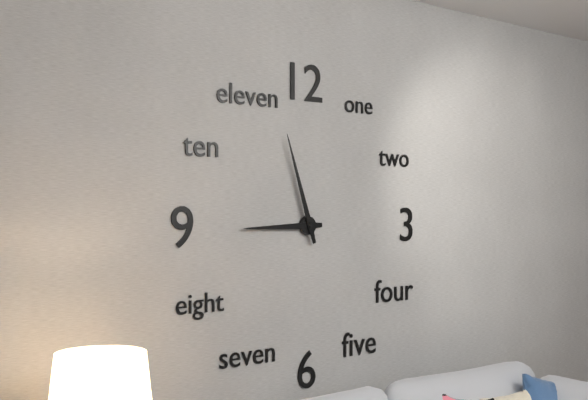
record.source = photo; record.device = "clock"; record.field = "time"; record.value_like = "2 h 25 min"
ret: 8 h 57 min
